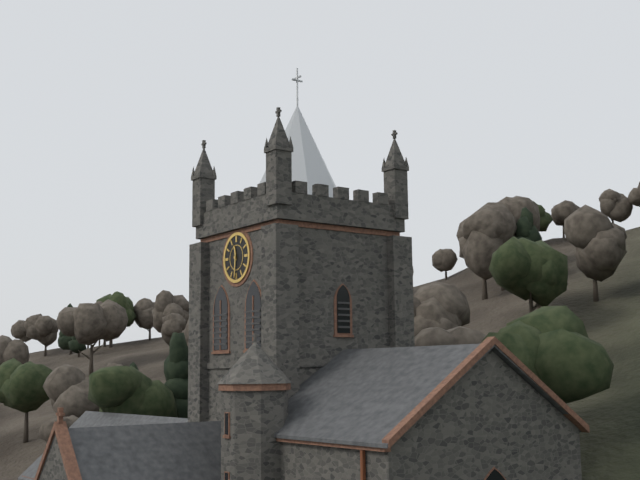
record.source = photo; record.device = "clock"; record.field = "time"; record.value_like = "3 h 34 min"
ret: 11 h 31 min
